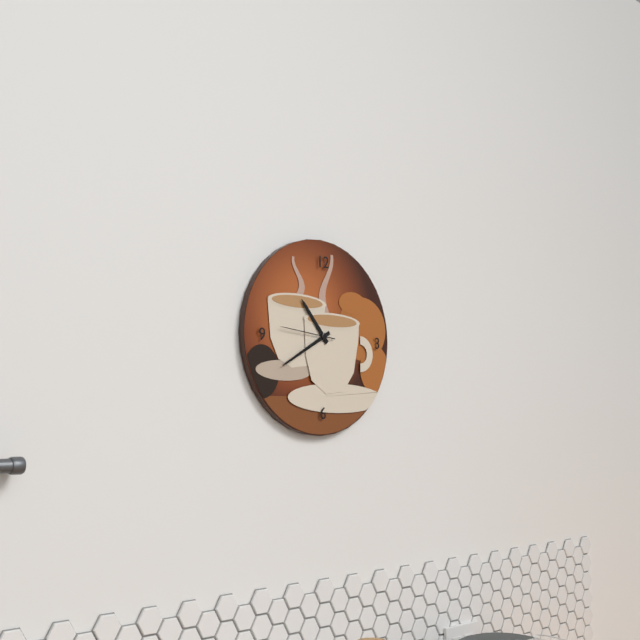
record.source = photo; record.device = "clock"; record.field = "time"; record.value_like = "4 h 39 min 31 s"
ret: 10 h 40 min 46 s
